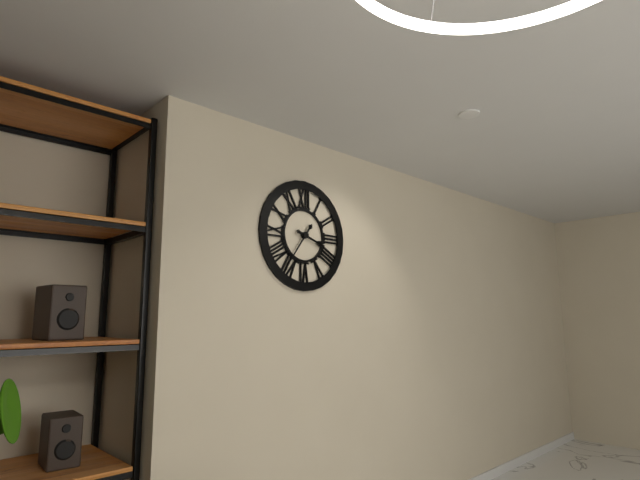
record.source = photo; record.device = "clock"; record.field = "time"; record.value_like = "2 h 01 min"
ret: 3 h 36 min
